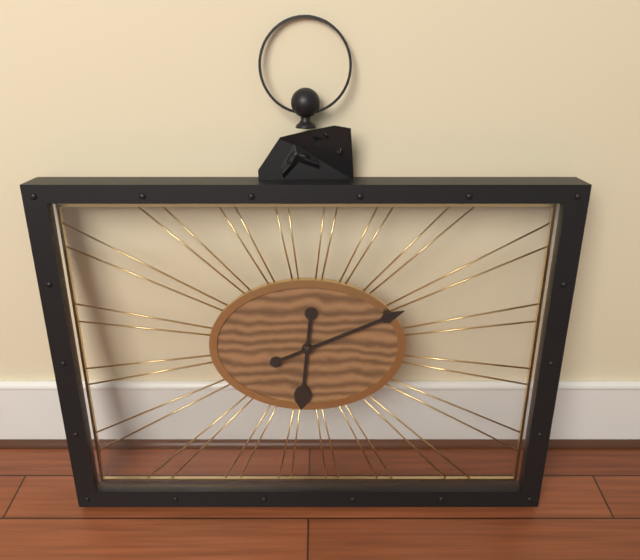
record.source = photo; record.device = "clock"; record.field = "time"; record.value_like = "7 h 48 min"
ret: 6 h 11 min
